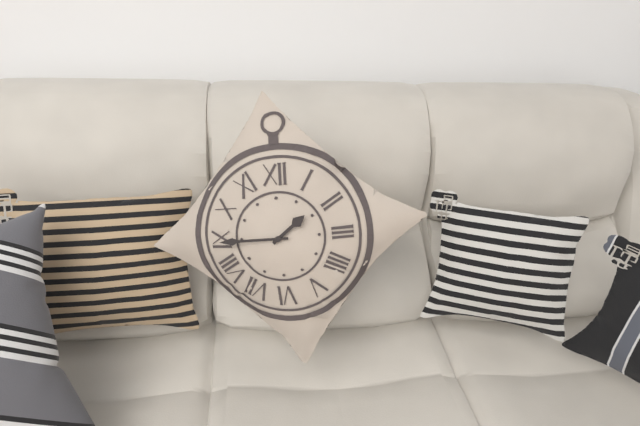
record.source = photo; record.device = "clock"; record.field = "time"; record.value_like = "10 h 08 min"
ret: 1 h 45 min
